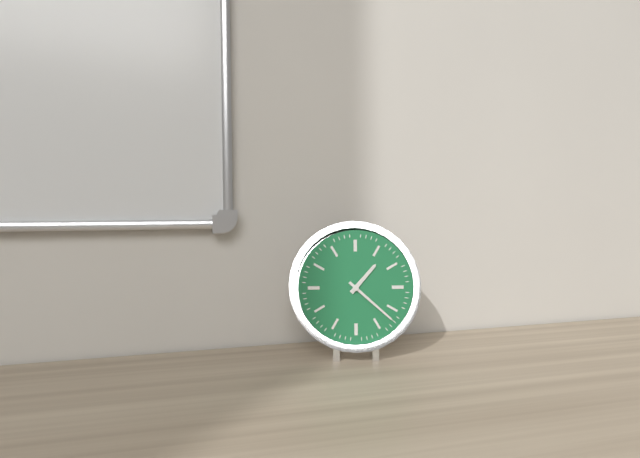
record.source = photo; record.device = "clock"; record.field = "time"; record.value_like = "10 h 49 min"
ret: 1 h 22 min
